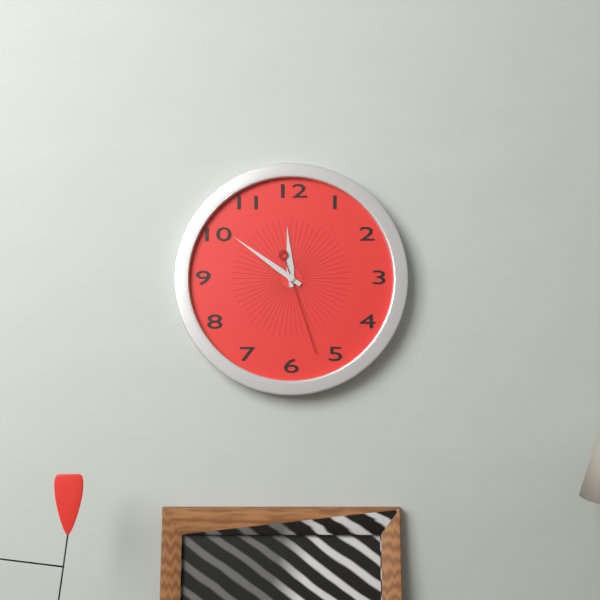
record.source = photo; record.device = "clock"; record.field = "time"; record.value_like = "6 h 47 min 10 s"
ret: 11 h 51 min 27 s
